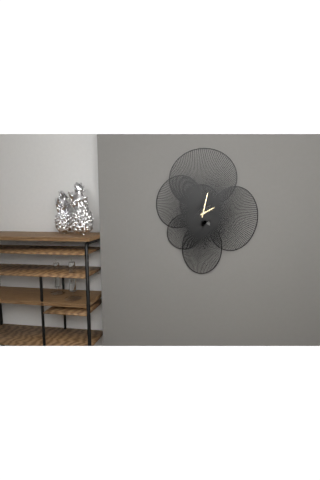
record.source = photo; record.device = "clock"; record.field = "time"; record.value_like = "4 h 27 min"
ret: 2 h 02 min
